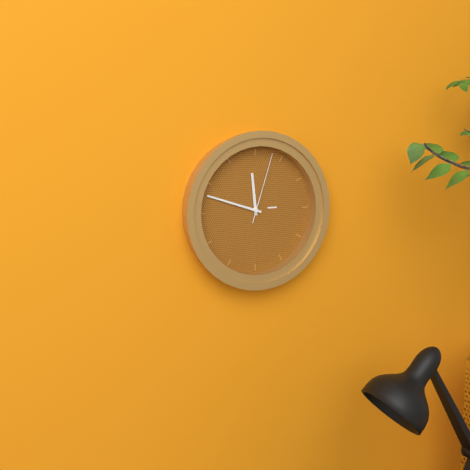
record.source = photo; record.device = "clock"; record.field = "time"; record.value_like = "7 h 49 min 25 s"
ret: 11 h 48 min 03 s
